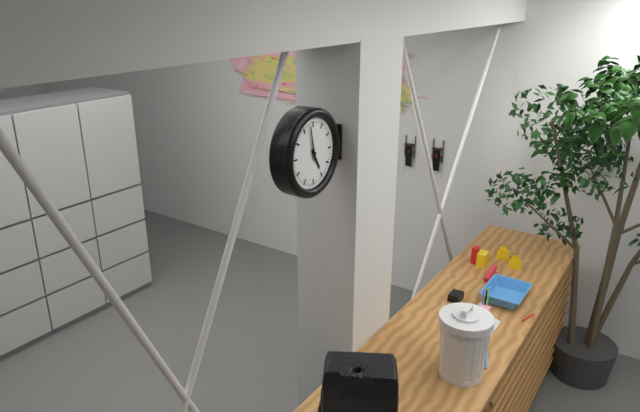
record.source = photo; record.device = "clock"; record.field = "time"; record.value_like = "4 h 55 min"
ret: 4 h 58 min
